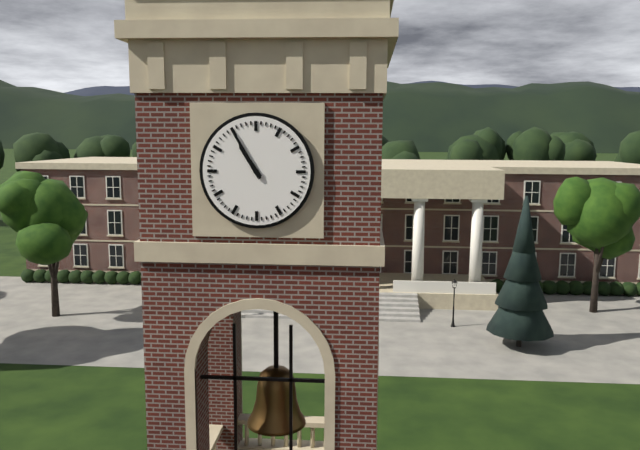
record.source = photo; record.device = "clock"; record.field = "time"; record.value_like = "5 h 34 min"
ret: 10 h 55 min
